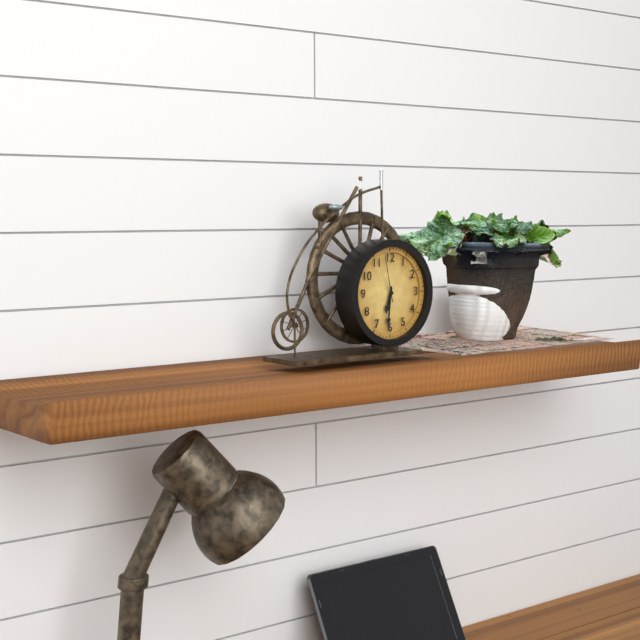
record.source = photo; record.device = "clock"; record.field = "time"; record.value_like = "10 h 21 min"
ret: 6 h 31 min
